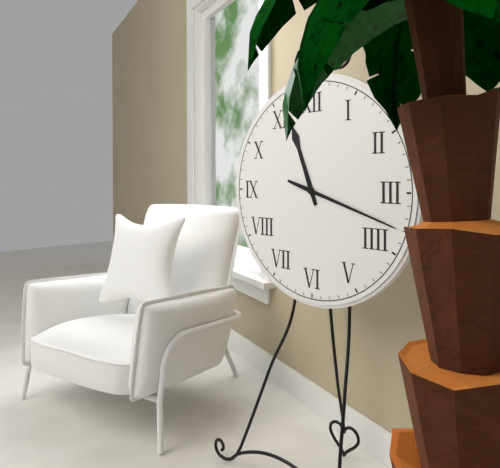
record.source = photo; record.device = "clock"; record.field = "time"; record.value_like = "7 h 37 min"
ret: 11 h 18 min
